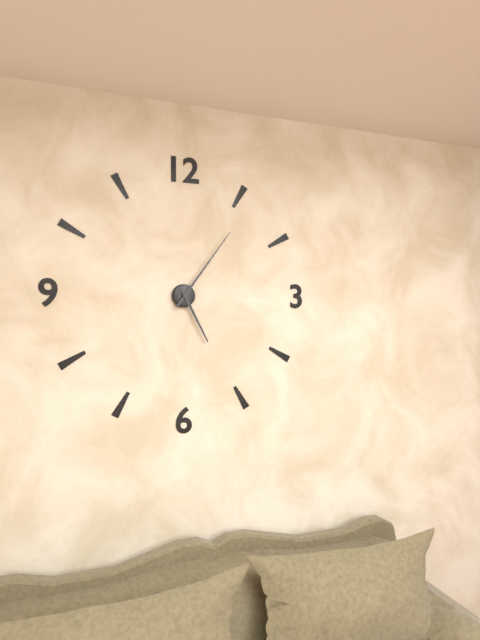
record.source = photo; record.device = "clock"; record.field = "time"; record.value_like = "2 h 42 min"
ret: 5 h 06 min
